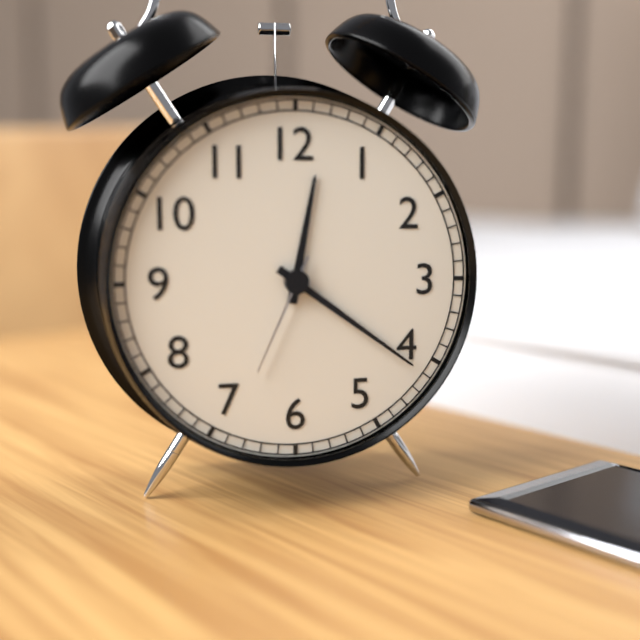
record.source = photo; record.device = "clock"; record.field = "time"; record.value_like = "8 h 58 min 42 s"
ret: 12 h 21 min 34 s
